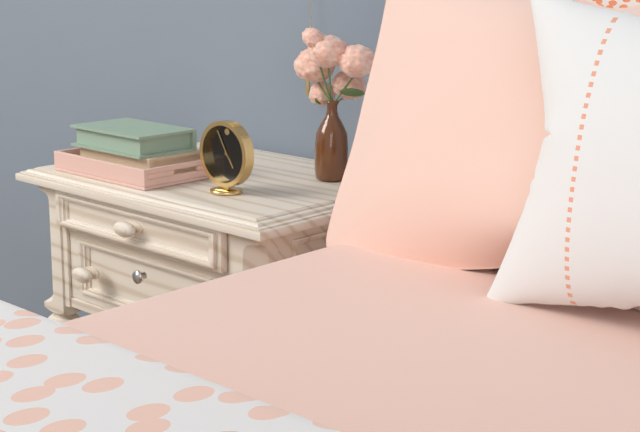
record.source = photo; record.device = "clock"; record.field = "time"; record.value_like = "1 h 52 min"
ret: 4 h 55 min
